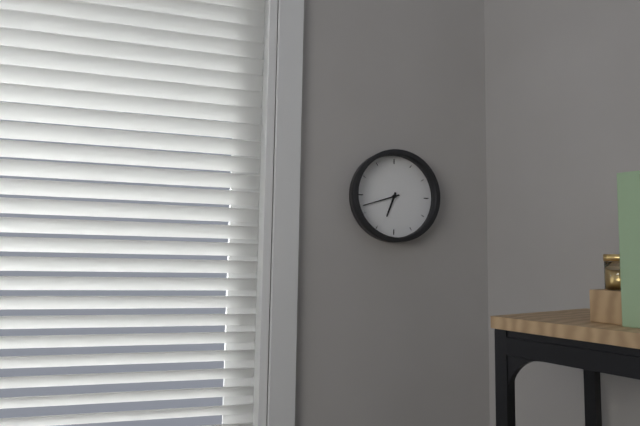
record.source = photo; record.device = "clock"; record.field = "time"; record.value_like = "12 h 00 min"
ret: 6 h 42 min
